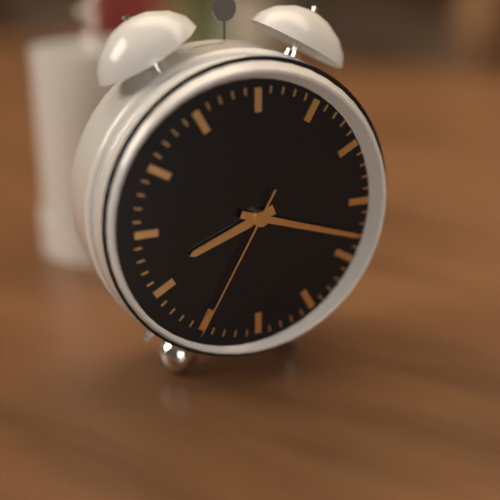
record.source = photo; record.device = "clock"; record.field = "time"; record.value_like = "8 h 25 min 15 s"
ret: 8 h 18 min 35 s
